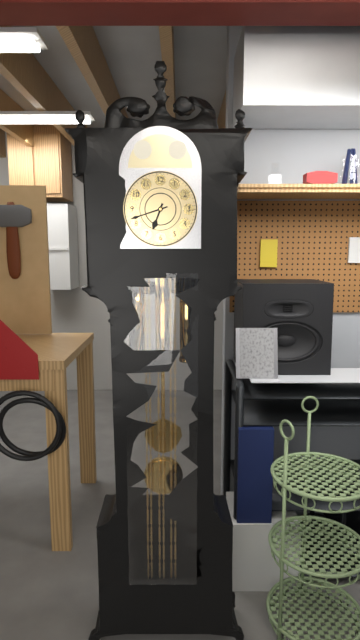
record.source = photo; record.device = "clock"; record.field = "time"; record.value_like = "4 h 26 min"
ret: 6 h 42 min
